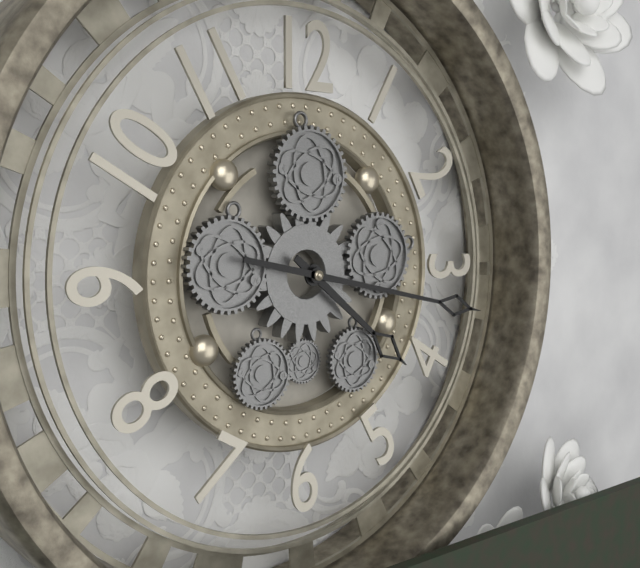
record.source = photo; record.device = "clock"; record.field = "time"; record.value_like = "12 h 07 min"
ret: 4 h 17 min
